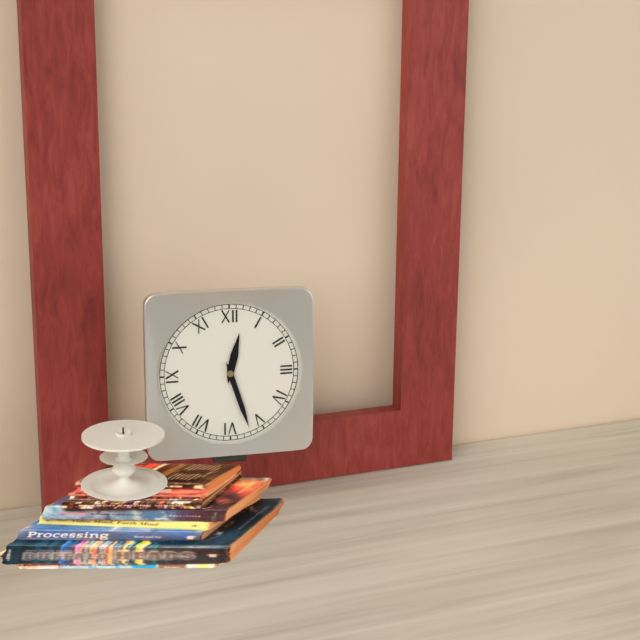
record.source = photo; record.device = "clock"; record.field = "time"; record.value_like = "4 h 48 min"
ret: 12 h 27 min
